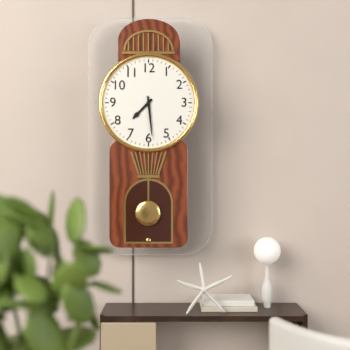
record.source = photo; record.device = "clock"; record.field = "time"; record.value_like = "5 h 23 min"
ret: 7 h 29 min
